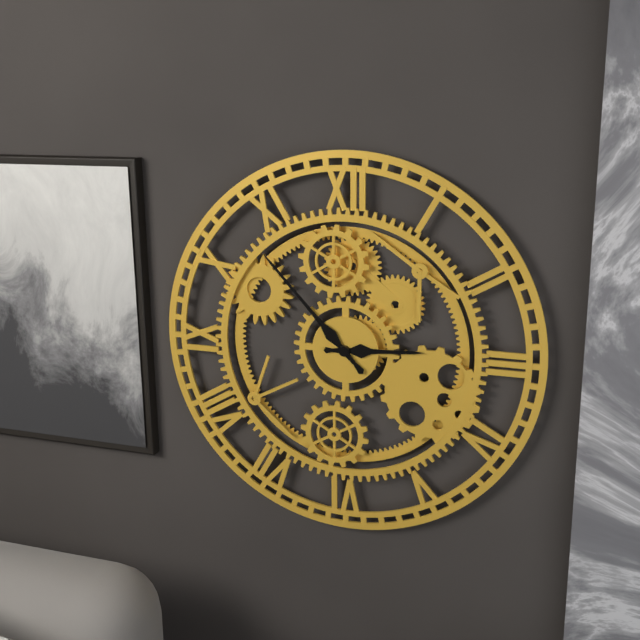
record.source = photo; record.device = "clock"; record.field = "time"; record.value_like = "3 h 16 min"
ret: 2 h 53 min
